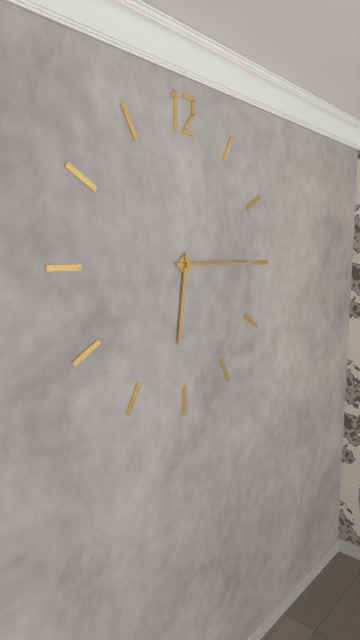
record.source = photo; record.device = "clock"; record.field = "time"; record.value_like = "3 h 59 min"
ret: 6 h 15 min
